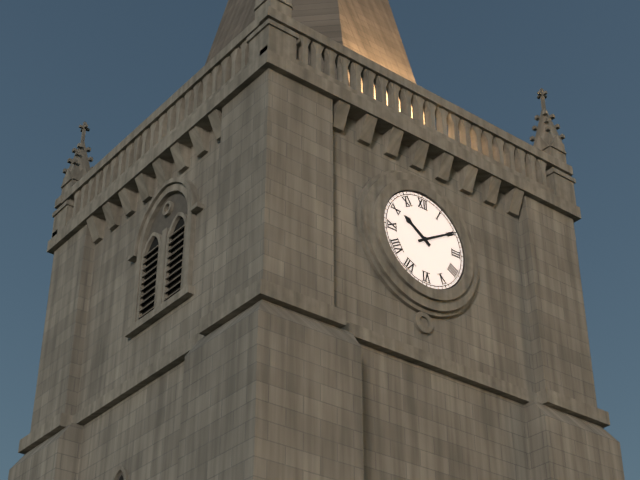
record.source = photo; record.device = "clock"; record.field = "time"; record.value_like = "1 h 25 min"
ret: 10 h 10 min
